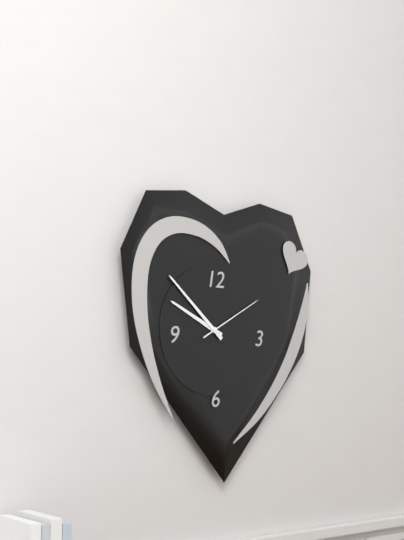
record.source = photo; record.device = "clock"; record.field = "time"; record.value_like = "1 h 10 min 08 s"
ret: 9 h 52 min 10 s
